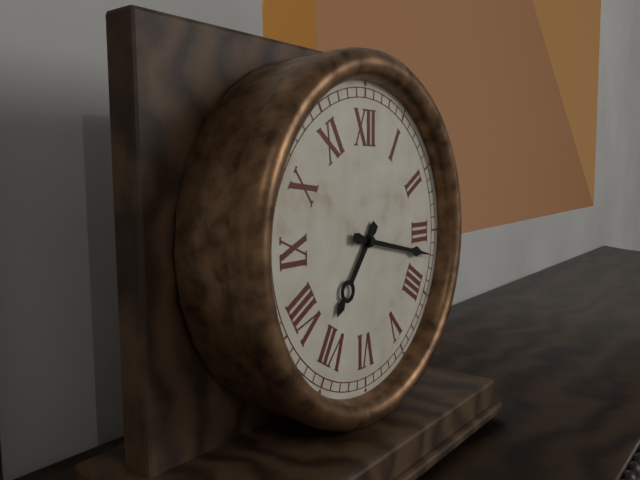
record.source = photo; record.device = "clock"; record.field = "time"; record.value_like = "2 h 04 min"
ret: 7 h 17 min
